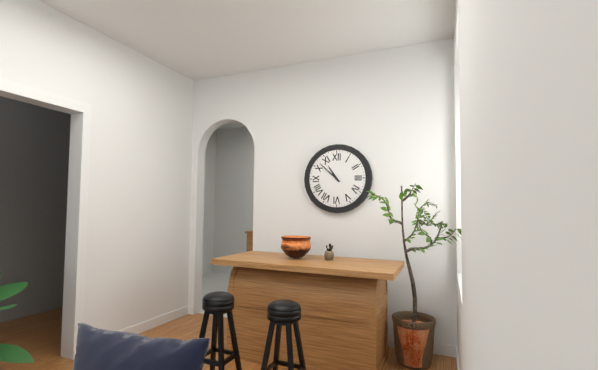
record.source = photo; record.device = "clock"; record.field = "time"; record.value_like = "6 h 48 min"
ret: 10 h 52 min
